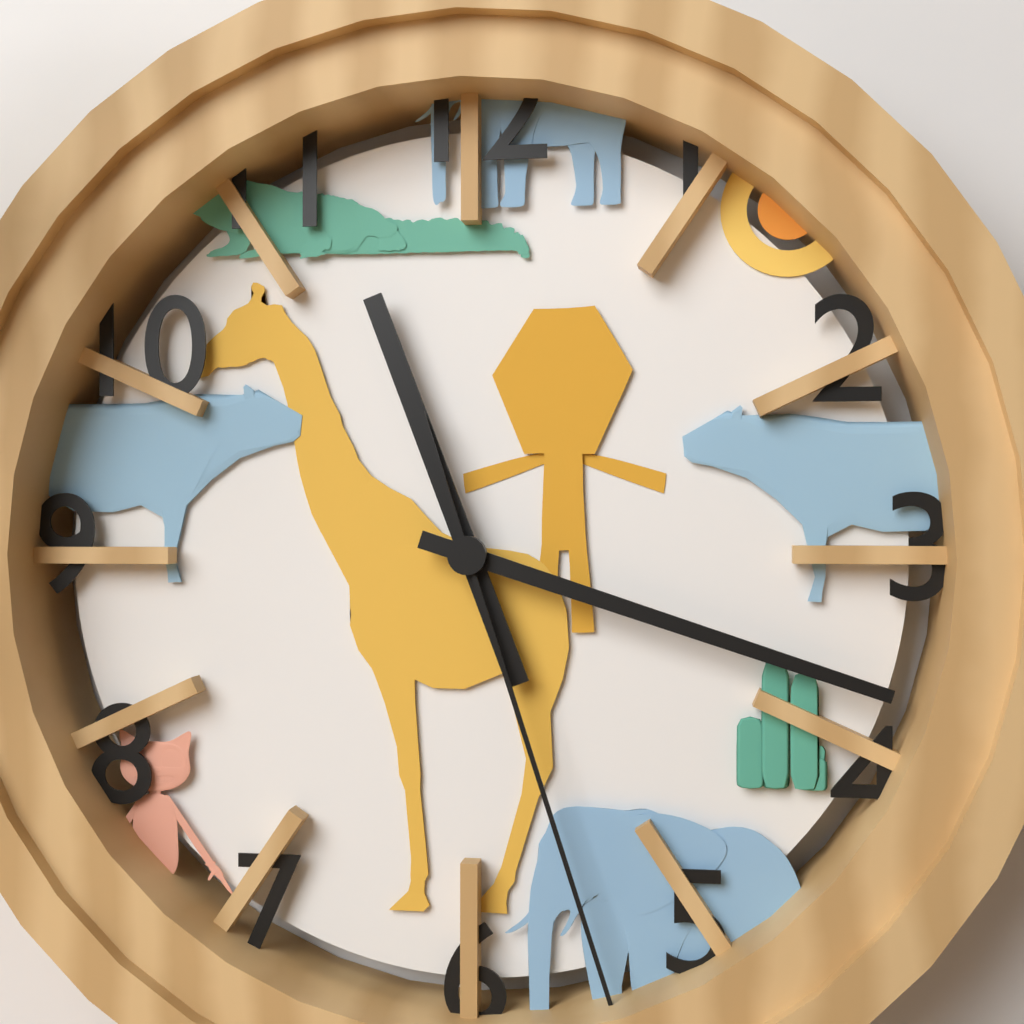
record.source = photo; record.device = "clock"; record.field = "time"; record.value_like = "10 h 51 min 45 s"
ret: 11 h 18 min 27 s
